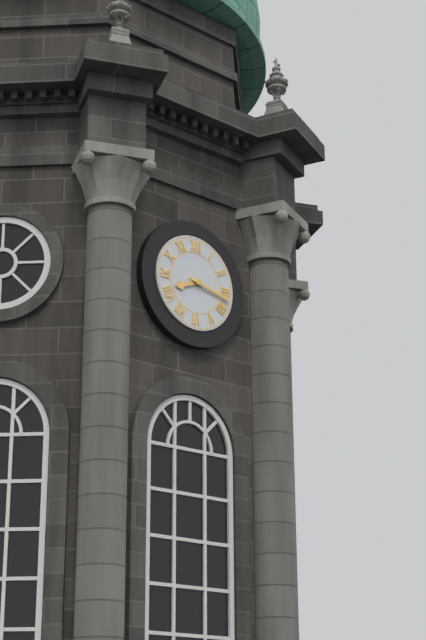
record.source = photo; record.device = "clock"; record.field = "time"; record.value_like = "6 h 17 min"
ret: 8 h 17 min
